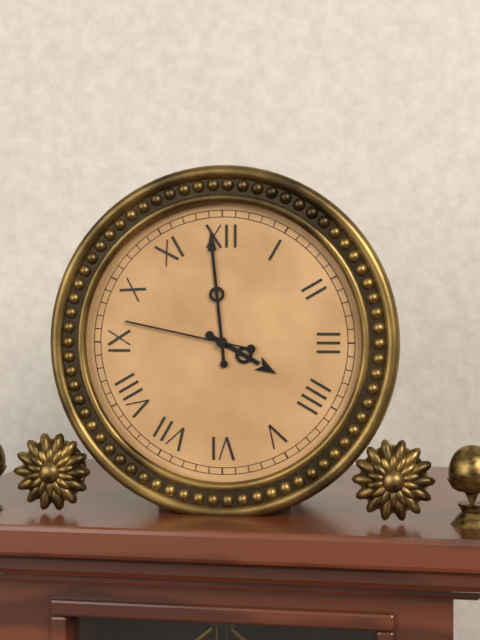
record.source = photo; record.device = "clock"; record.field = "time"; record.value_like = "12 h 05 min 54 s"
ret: 3 h 59 min 47 s
